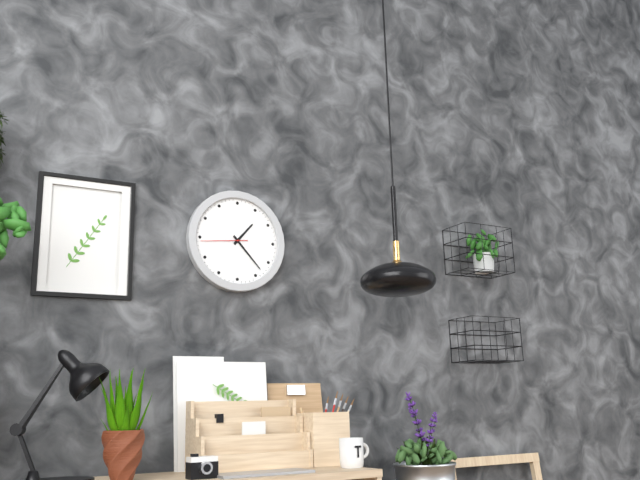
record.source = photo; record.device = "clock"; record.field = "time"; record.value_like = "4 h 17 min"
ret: 1 h 23 min
